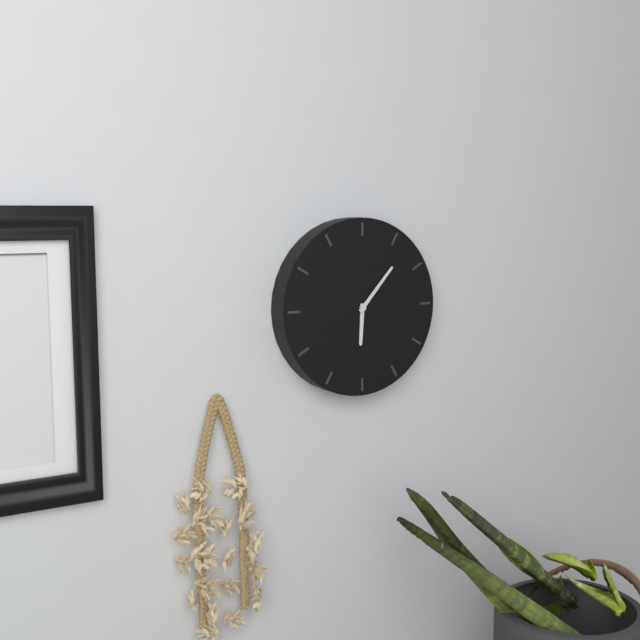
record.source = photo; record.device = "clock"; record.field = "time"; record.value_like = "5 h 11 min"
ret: 6 h 07 min
